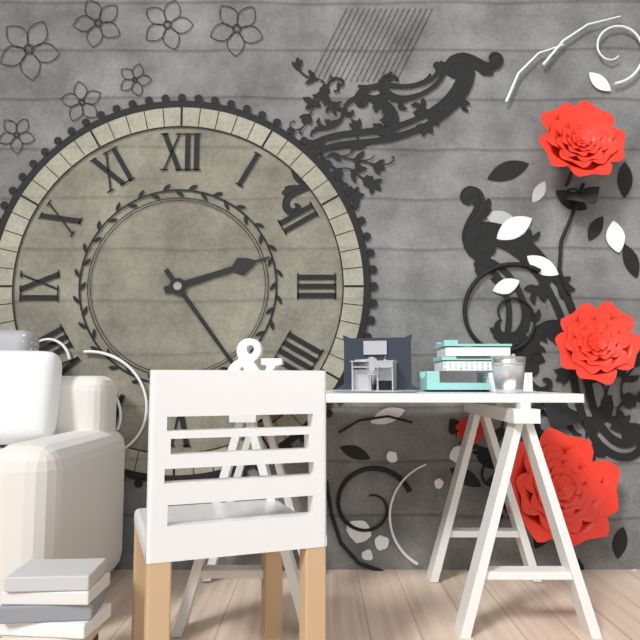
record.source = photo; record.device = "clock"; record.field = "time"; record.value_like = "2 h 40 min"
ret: 2 h 24 min
